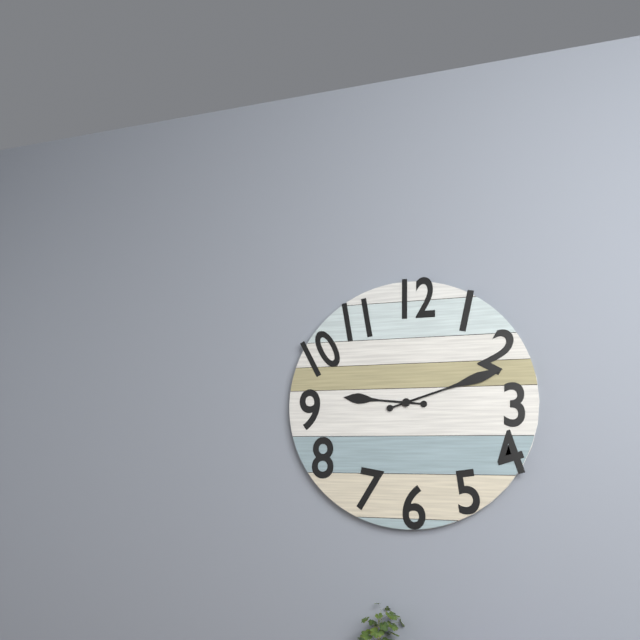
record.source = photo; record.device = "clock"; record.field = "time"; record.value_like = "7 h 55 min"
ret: 9 h 12 min
